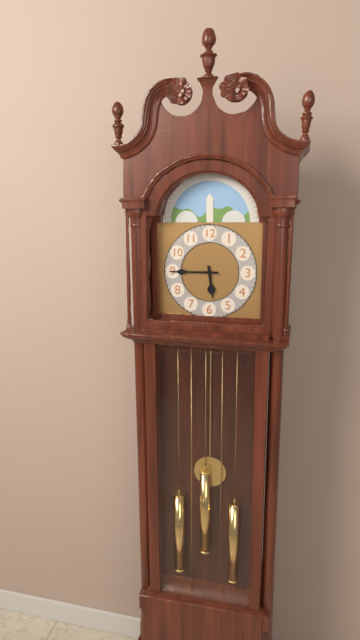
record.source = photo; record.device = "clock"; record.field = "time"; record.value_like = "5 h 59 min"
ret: 5 h 45 min
